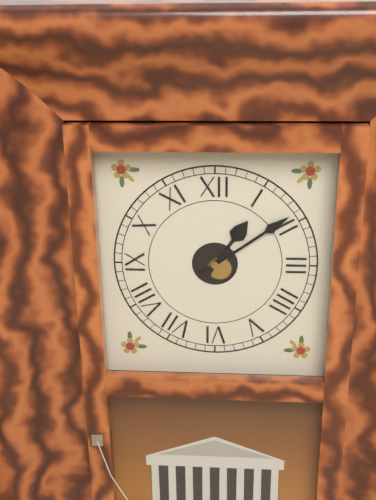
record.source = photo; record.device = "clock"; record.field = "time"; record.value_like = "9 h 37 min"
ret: 1 h 09 min
